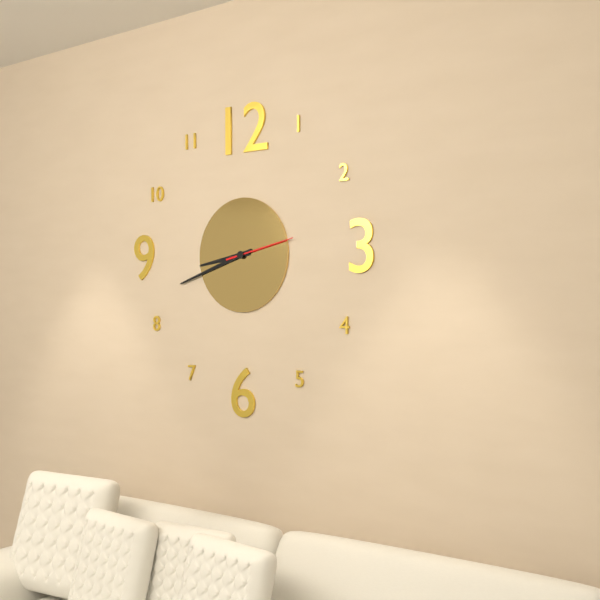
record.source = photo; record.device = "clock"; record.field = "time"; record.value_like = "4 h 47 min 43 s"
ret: 8 h 42 min 13 s
